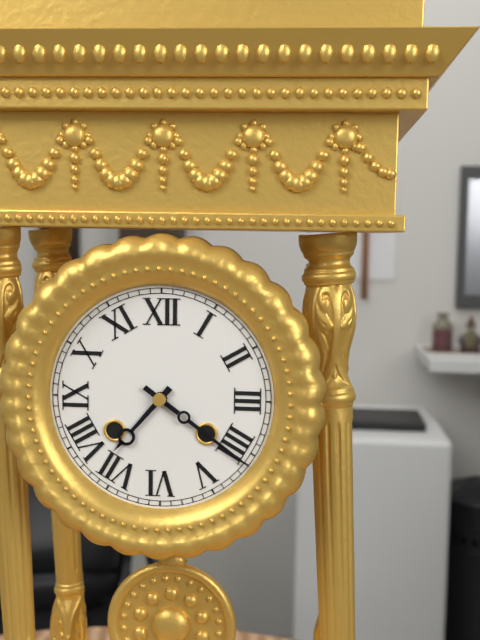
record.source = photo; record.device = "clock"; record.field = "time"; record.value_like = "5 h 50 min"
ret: 7 h 21 min
